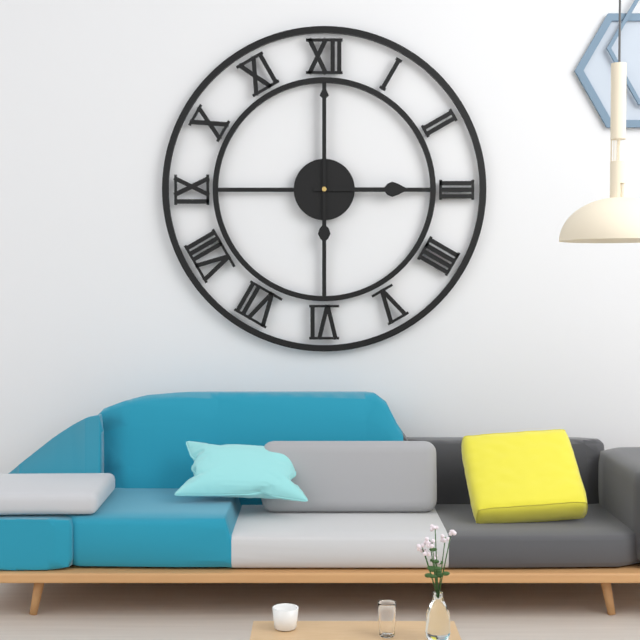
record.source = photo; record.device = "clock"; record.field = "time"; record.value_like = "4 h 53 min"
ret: 3 h 00 min
